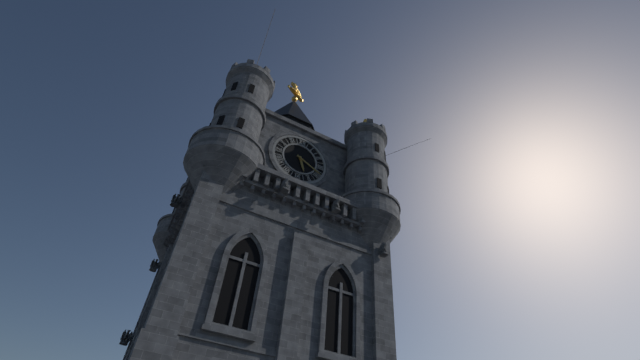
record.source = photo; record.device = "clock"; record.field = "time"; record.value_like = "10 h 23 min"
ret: 5 h 19 min
